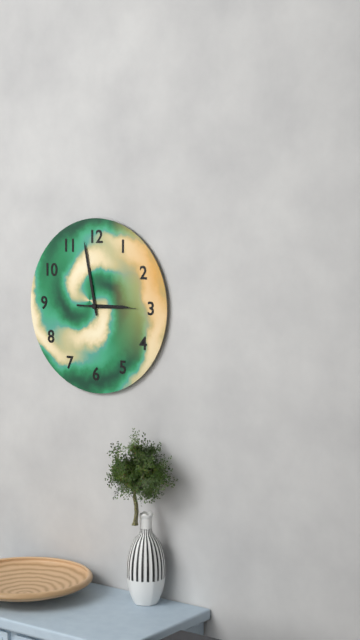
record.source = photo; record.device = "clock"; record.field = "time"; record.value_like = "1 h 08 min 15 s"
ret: 2 h 58 min 15 s
